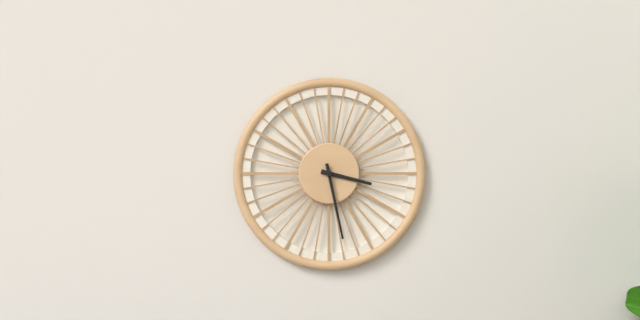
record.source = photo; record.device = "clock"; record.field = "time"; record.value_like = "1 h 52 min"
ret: 3 h 28 min
